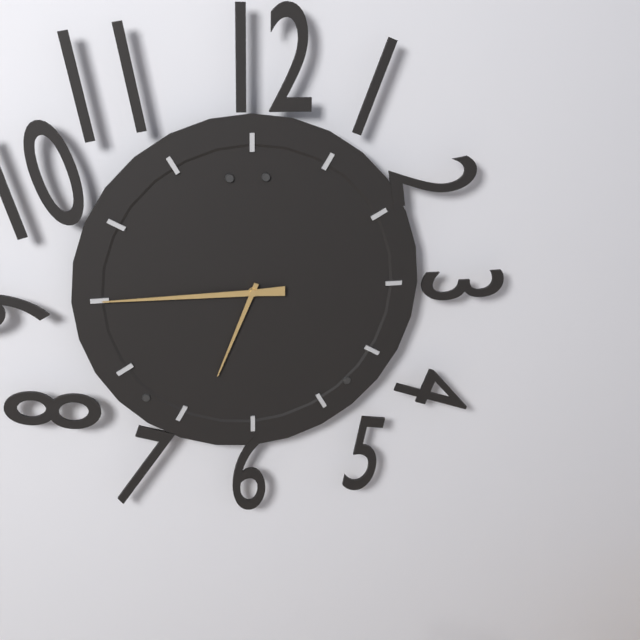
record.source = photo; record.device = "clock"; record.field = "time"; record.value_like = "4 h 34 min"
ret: 6 h 45 min
